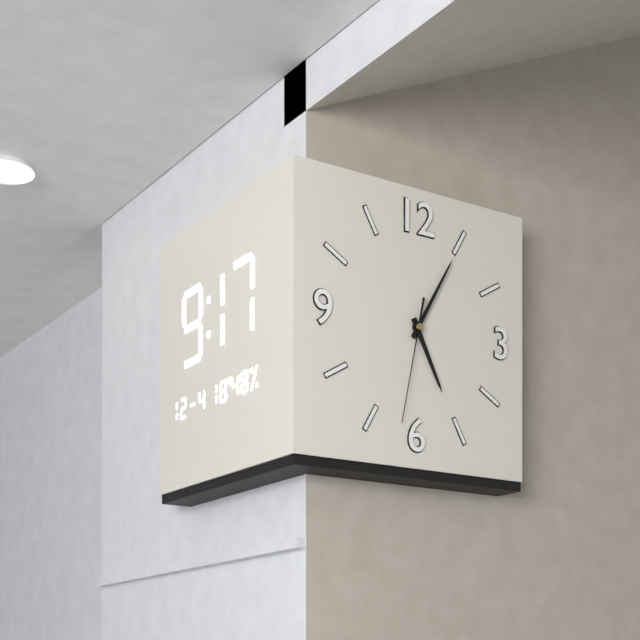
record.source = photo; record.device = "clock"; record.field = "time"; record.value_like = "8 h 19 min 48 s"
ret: 5 h 05 min 32 s
